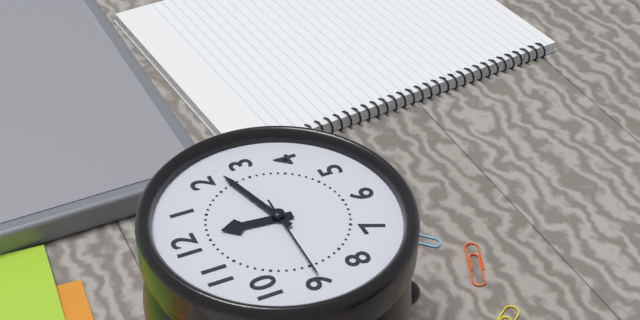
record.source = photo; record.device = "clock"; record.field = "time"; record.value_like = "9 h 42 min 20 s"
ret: 12 h 12 min 45 s
